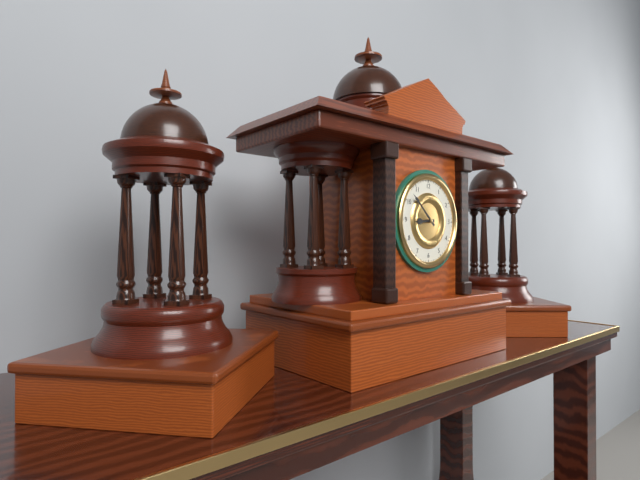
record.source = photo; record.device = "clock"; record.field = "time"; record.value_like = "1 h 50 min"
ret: 8 h 52 min
